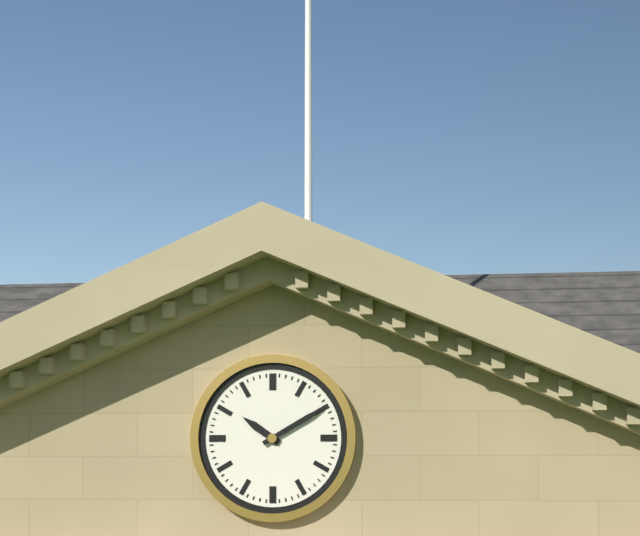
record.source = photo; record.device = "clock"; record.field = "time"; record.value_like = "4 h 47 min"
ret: 10 h 10 min
